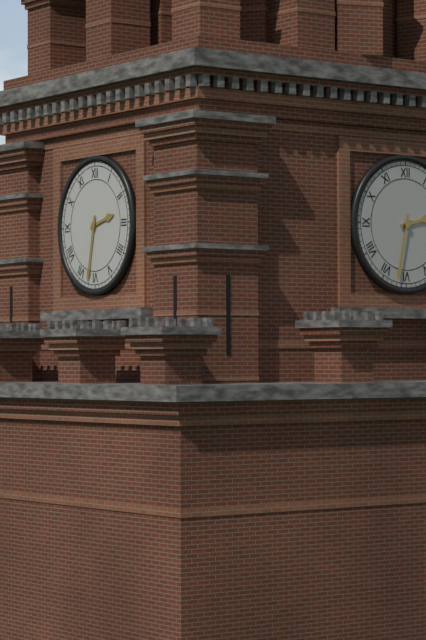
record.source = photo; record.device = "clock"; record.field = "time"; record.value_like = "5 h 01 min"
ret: 2 h 32 min
